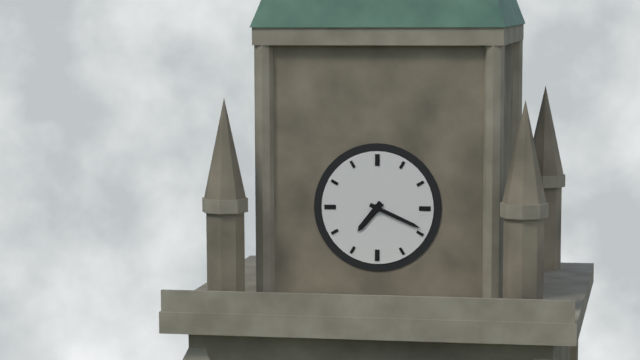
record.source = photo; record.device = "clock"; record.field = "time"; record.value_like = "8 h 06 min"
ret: 7 h 19 min
